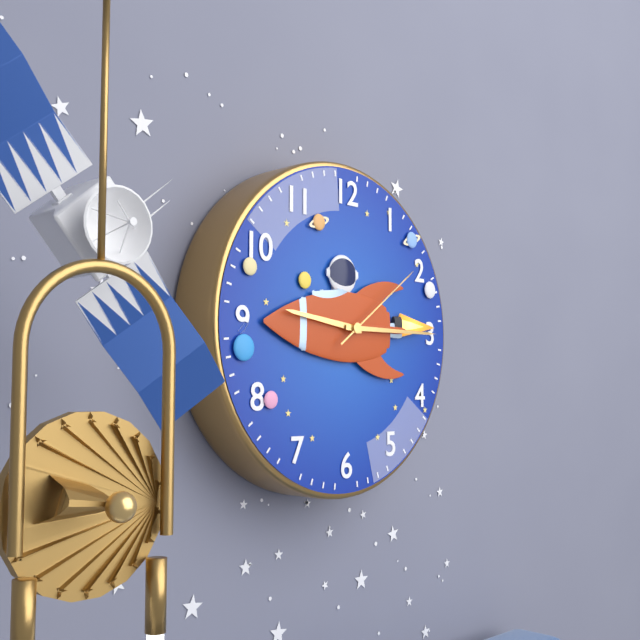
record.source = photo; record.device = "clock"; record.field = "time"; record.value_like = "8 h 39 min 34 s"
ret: 9 h 15 min 09 s
